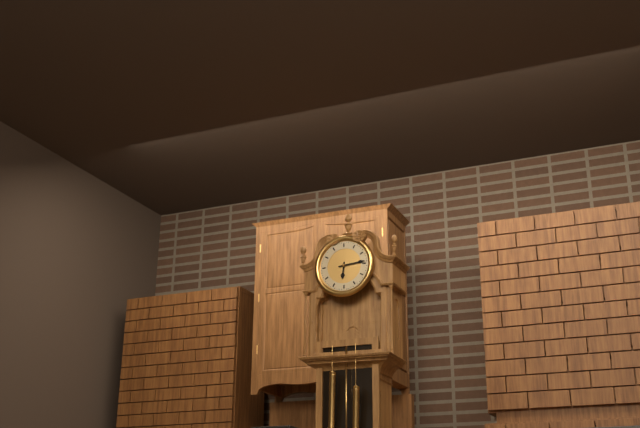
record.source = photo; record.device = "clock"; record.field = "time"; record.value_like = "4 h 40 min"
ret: 6 h 14 min
